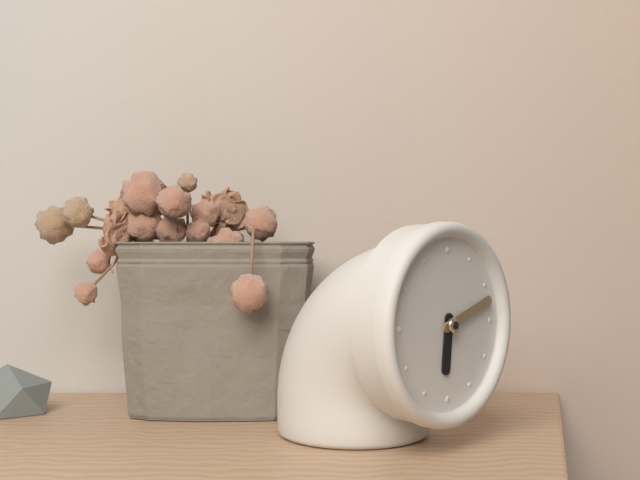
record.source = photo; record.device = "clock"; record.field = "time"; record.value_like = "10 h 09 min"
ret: 6 h 12 min
